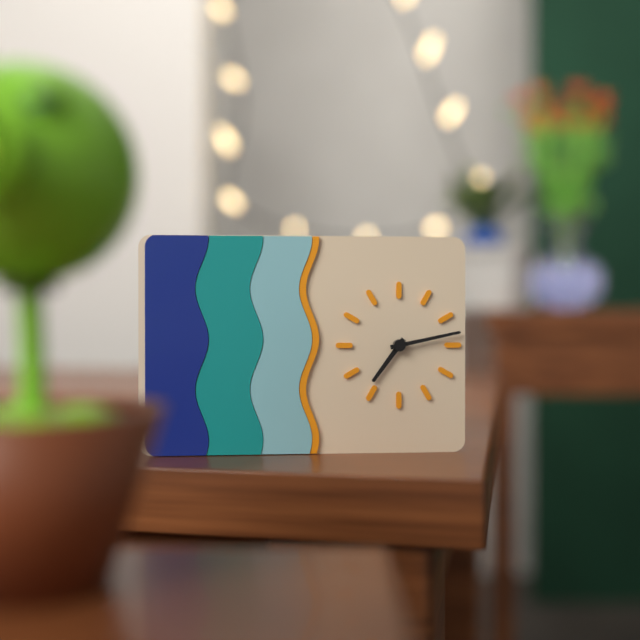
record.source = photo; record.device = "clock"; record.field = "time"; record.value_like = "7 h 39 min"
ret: 7 h 13 min
